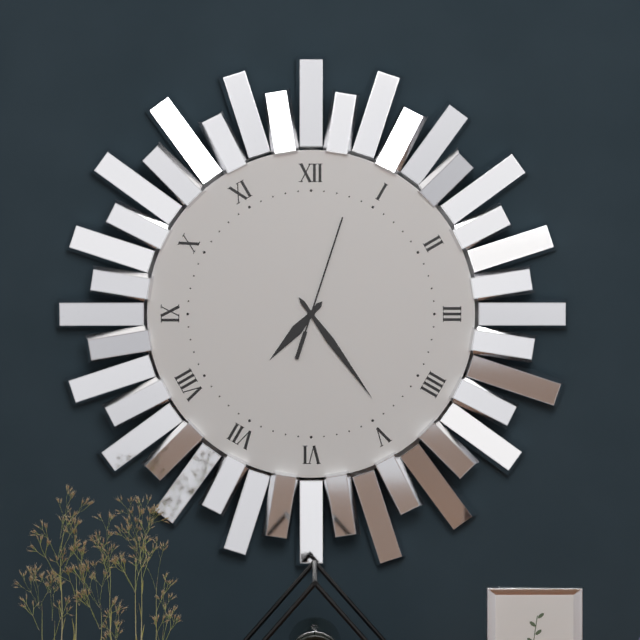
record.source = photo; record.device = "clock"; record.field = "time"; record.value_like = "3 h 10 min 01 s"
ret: 7 h 24 min 03 s
